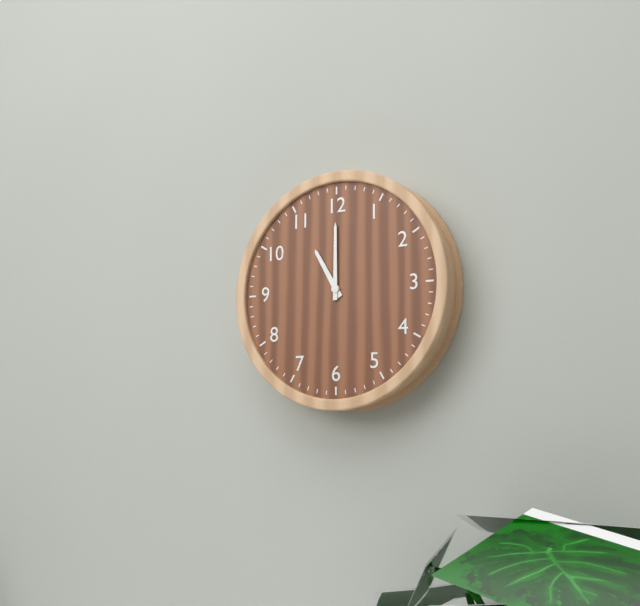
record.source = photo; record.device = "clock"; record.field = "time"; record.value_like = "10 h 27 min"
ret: 11 h 00 min
